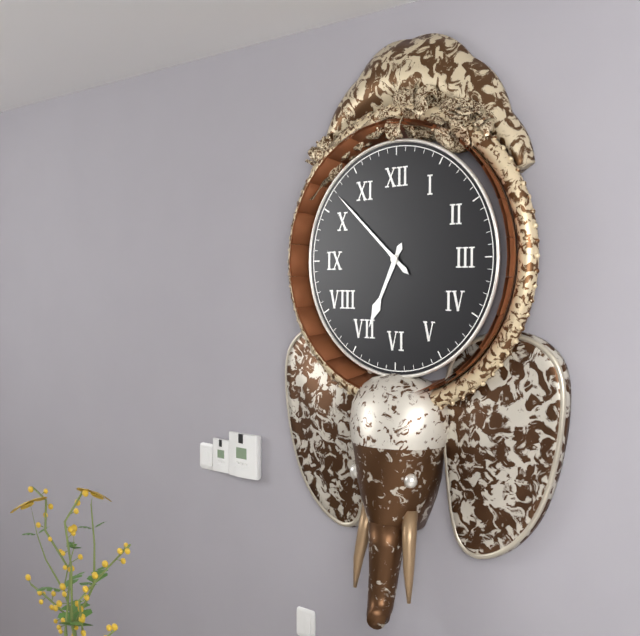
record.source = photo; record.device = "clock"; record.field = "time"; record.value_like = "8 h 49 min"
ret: 6 h 52 min
